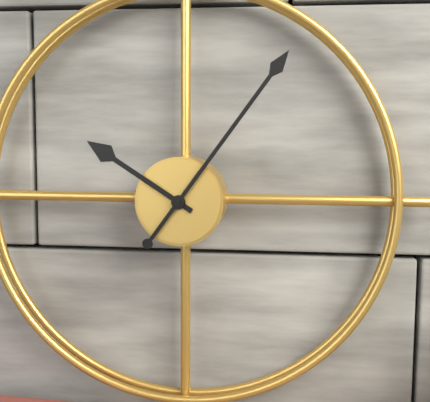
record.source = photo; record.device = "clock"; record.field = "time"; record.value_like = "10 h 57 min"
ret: 10 h 06 min
